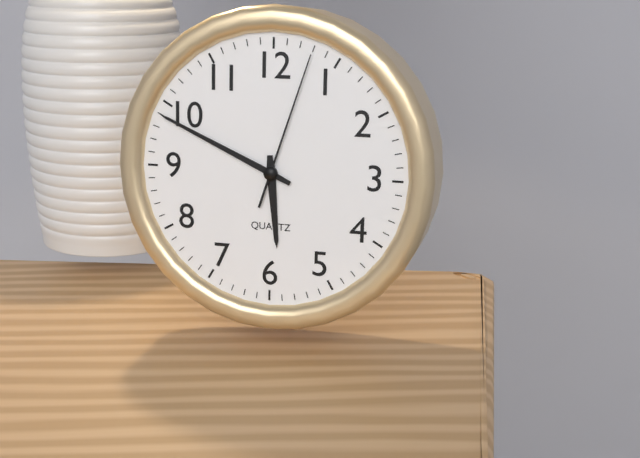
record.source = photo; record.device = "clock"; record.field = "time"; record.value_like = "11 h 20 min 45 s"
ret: 5 h 49 min 03 s
